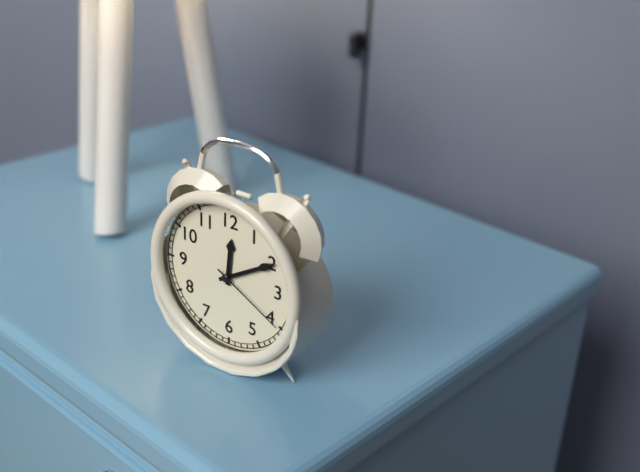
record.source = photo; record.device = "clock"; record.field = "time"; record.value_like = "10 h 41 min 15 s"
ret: 12 h 10 min 20 s
